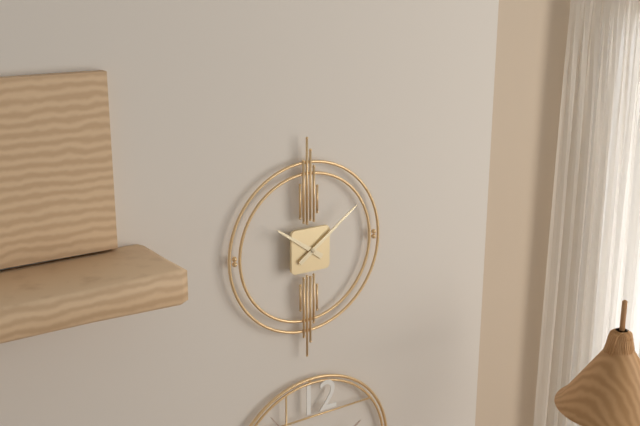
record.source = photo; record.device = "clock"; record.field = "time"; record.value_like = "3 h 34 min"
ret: 10 h 09 min
